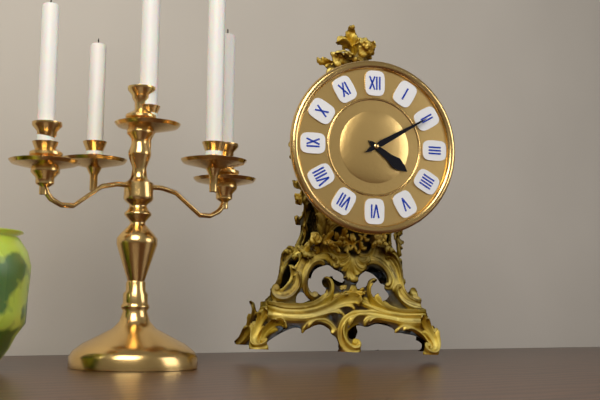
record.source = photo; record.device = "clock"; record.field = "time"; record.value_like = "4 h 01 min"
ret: 4 h 10 min
